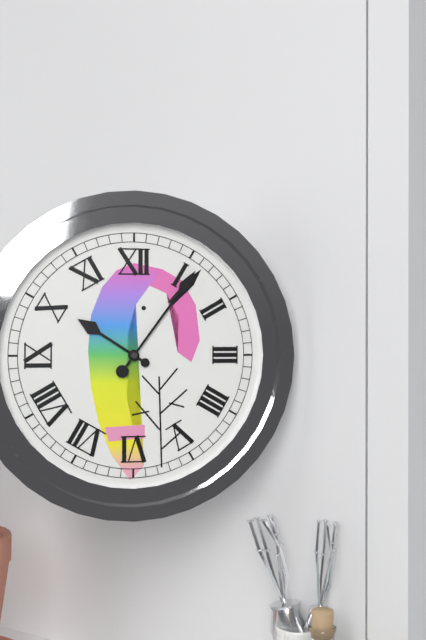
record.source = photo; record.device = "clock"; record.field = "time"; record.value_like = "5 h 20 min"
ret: 10 h 06 min
